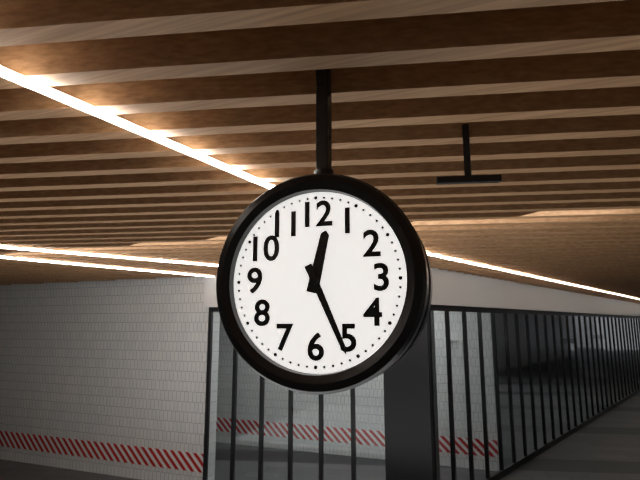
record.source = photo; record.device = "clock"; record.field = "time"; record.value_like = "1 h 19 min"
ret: 12 h 26 min
